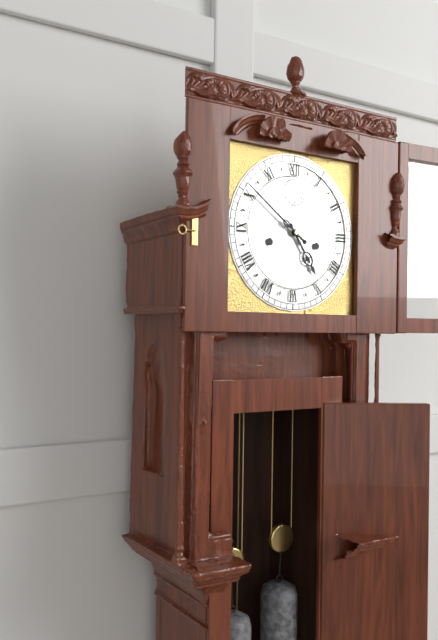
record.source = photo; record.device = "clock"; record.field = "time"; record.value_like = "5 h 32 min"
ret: 4 h 51 min
